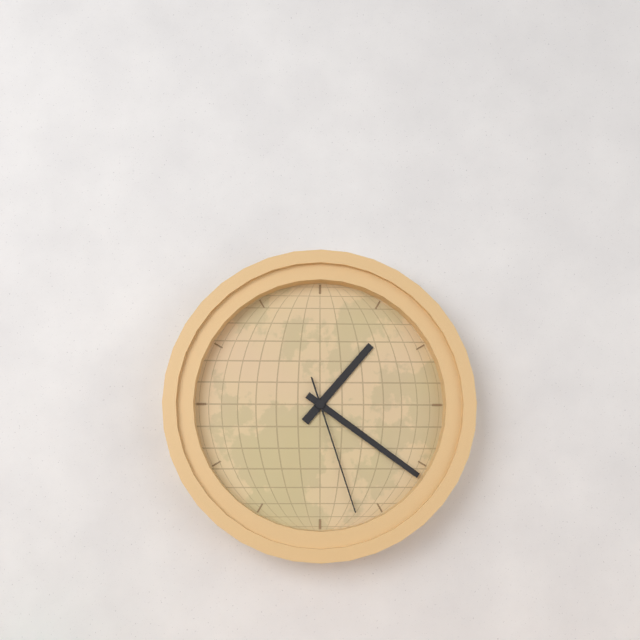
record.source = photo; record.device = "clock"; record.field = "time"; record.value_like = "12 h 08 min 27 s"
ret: 1 h 21 min 27 s
